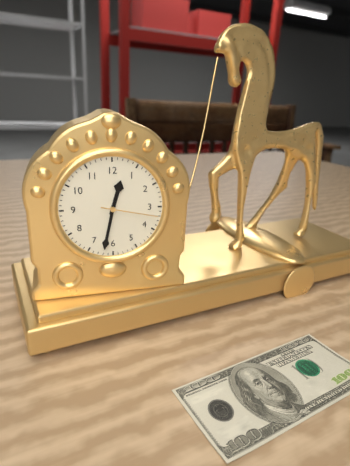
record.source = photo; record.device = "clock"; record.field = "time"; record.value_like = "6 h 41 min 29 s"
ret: 12 h 32 min 17 s
